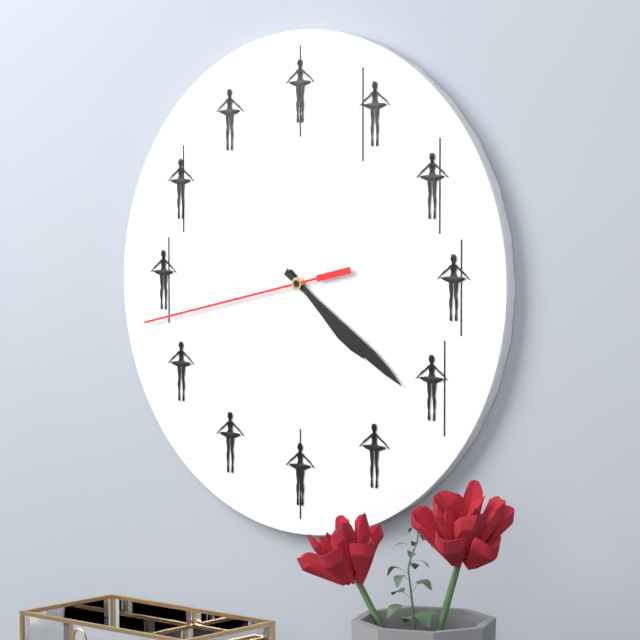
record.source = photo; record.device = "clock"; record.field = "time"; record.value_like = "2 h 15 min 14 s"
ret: 4 h 21 min 43 s
